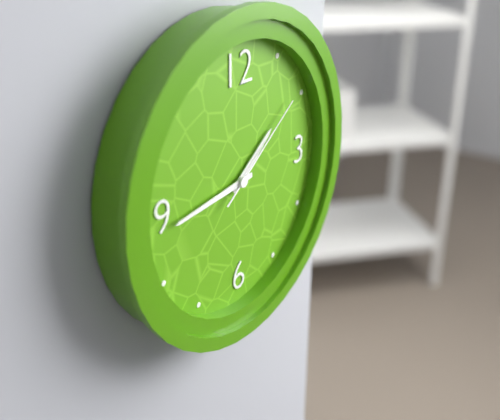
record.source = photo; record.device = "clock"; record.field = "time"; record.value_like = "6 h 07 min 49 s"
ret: 1 h 44 min 09 s
